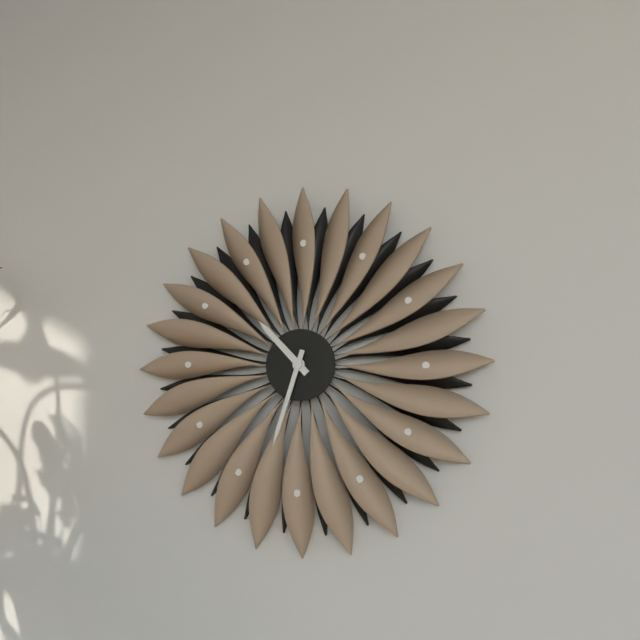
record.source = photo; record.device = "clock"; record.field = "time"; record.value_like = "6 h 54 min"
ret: 10 h 33 min
